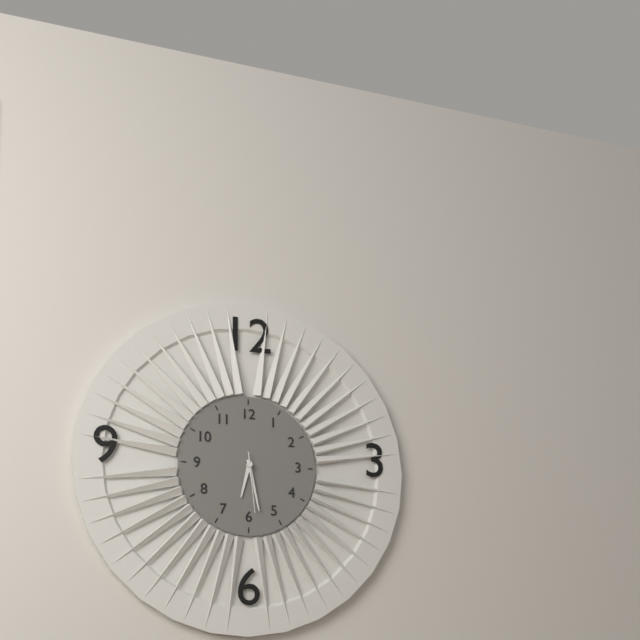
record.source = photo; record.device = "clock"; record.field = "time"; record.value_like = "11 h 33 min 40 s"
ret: 6 h 28 min 29 s
